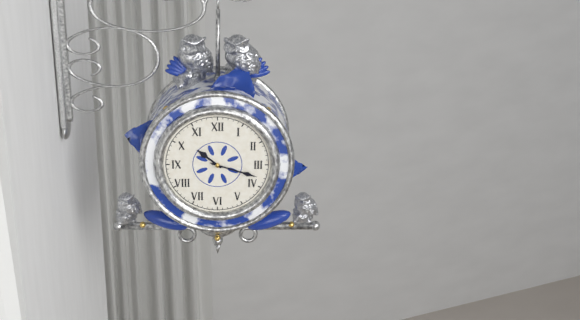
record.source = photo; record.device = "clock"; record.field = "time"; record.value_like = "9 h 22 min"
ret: 10 h 18 min
